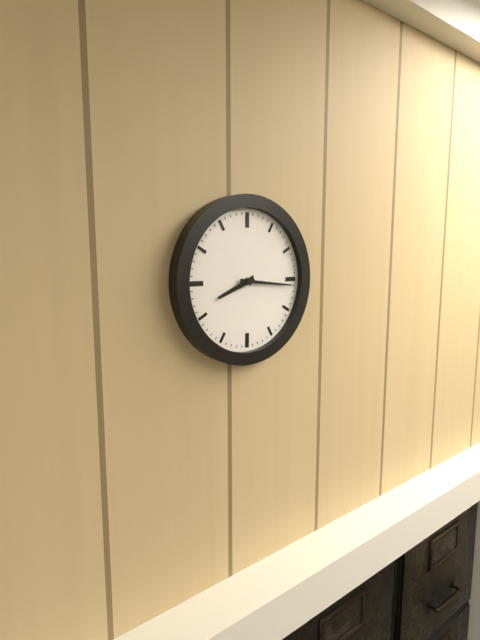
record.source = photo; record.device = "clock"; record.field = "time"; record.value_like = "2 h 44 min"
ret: 8 h 16 min
